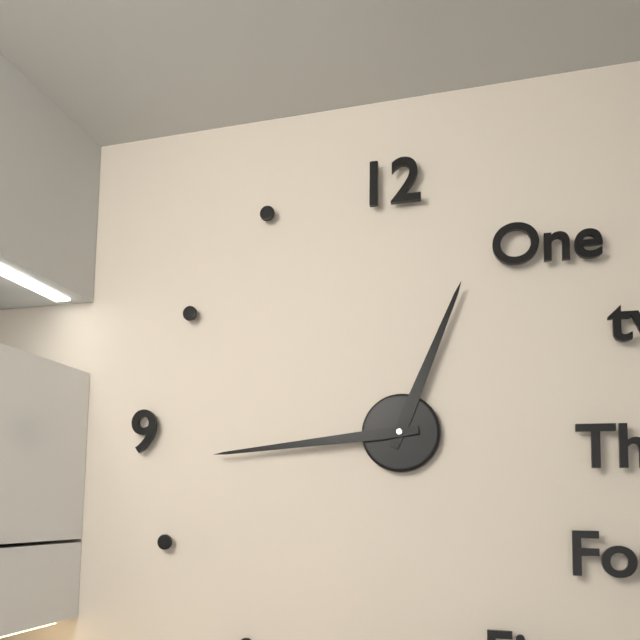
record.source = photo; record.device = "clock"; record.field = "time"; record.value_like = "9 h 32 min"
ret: 12 h 44 min
